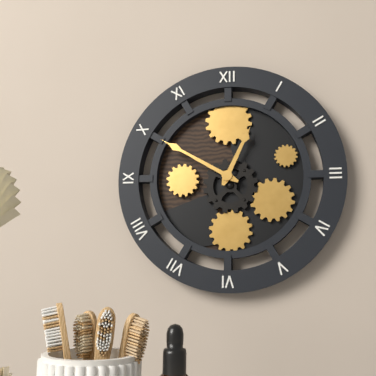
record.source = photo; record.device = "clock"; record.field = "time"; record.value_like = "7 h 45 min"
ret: 12 h 50 min
